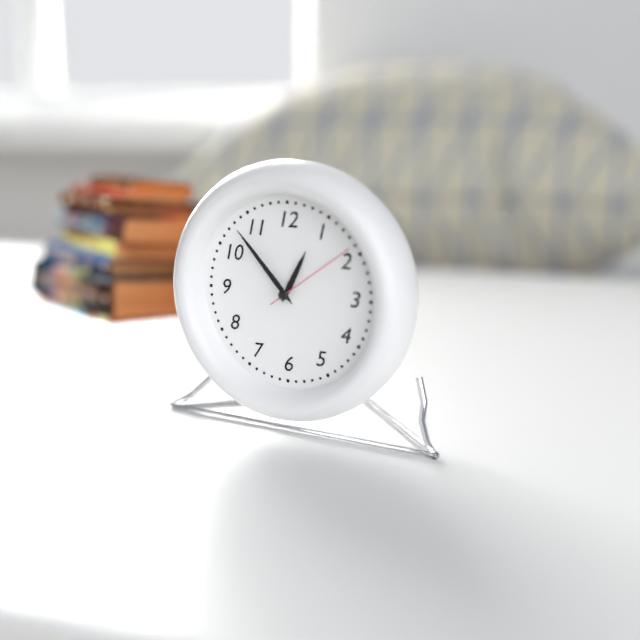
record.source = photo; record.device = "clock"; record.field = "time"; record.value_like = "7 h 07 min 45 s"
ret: 12 h 53 min 09 s
